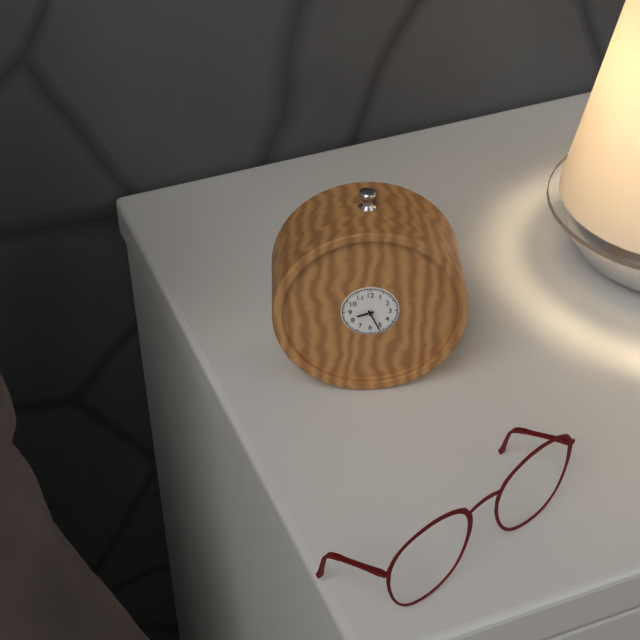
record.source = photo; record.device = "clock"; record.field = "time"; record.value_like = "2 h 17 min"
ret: 8 h 26 min
